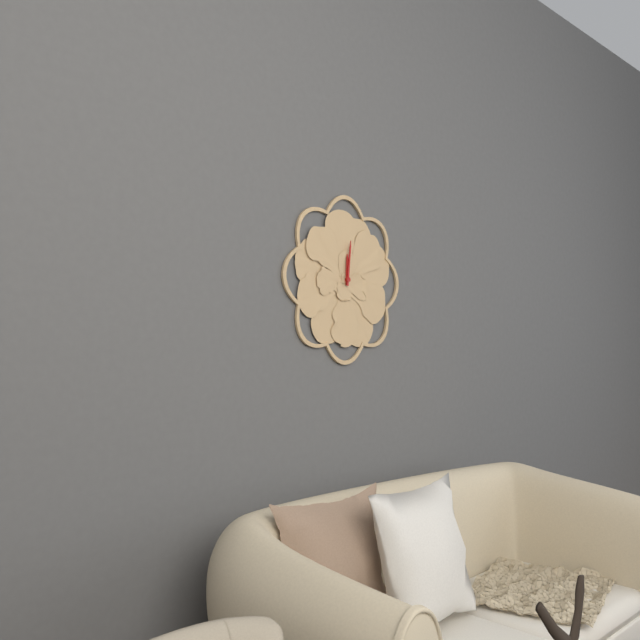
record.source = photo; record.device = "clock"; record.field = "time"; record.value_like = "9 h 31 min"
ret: 12 h 01 min
